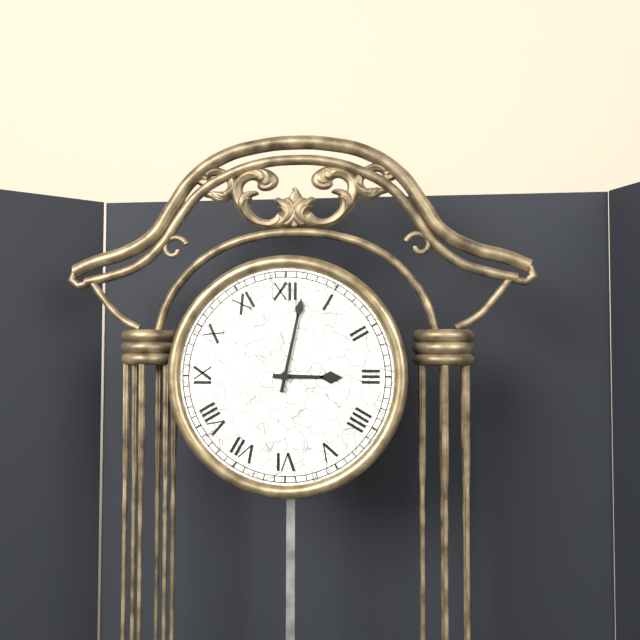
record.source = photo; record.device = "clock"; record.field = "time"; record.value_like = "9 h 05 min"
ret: 3 h 02 min
